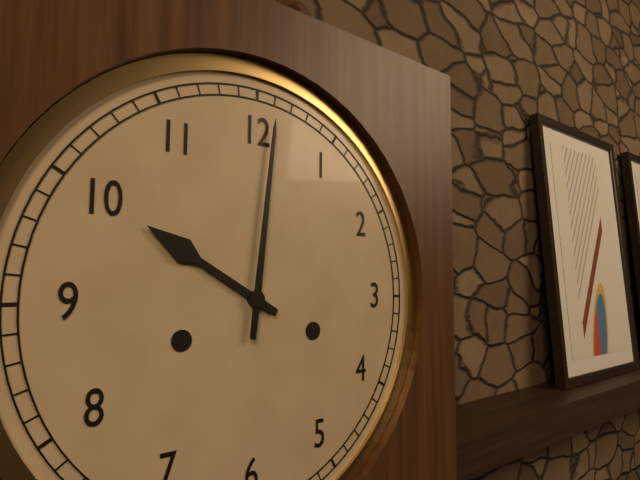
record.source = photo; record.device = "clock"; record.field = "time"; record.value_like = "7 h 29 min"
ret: 10 h 01 min
